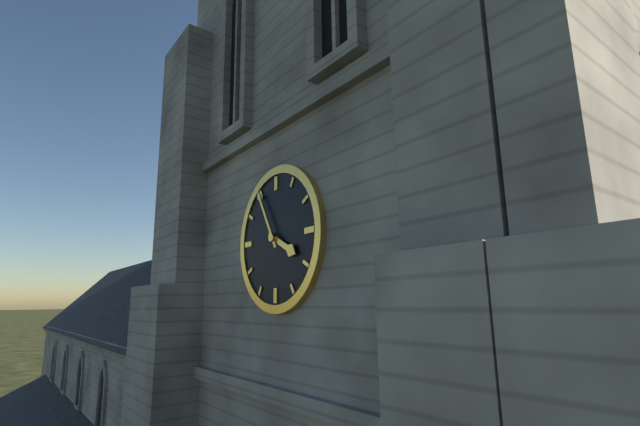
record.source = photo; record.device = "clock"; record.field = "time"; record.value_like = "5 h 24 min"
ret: 3 h 55 min
